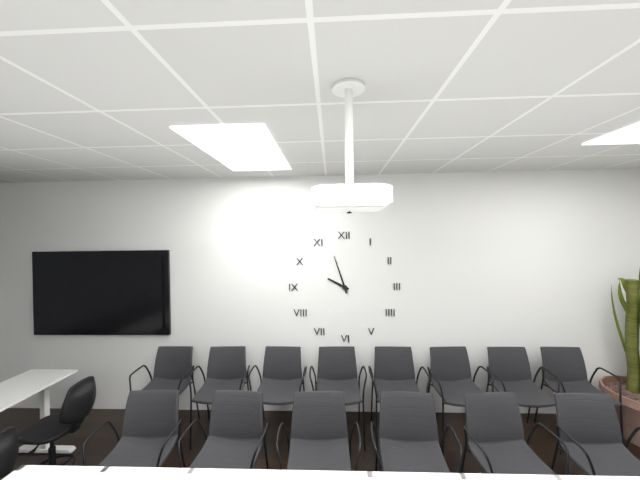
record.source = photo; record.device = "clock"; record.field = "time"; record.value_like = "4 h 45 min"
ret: 9 h 57 min
